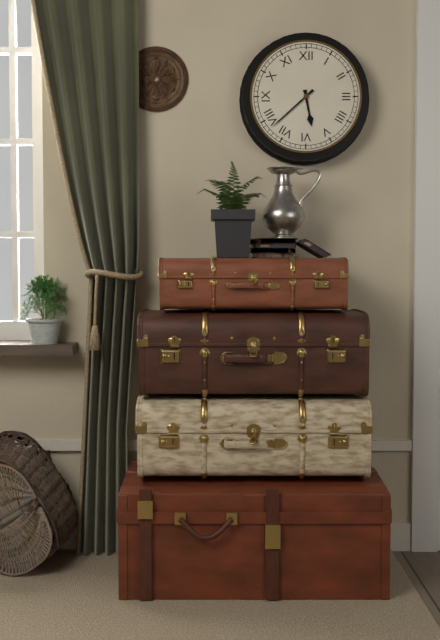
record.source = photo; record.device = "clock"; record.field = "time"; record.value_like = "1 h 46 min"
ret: 5 h 38 min
